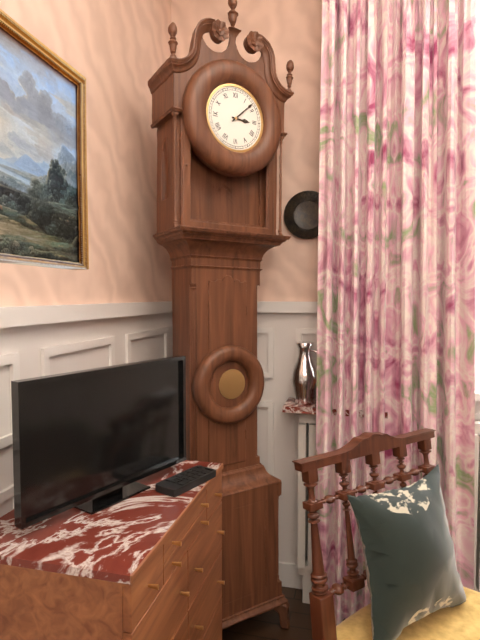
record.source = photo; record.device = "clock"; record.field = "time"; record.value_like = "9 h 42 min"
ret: 3 h 08 min
